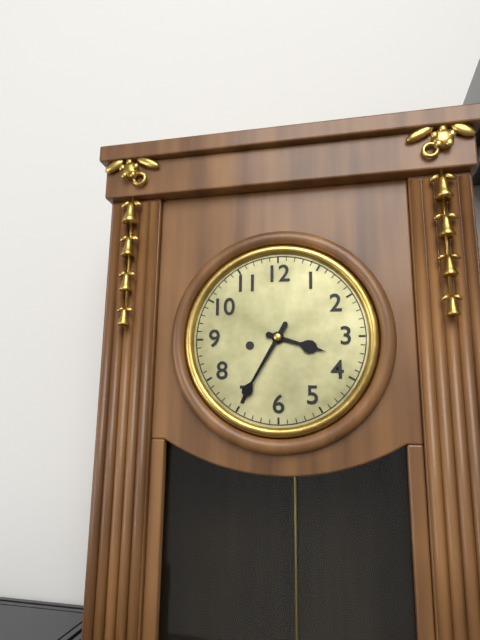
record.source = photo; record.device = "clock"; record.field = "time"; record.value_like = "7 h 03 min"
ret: 3 h 35 min
